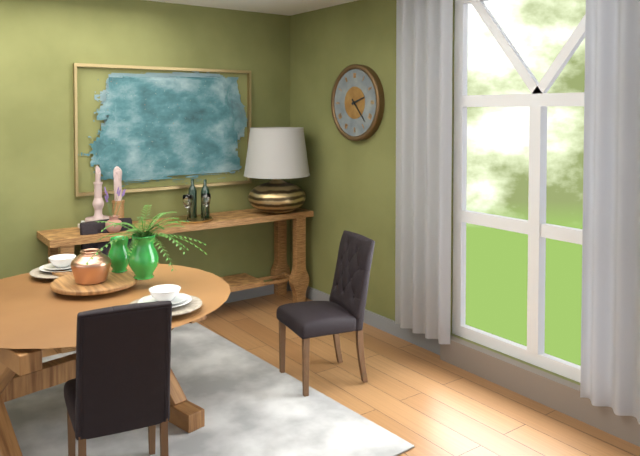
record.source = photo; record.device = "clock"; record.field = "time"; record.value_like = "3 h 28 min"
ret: 2 h 23 min
